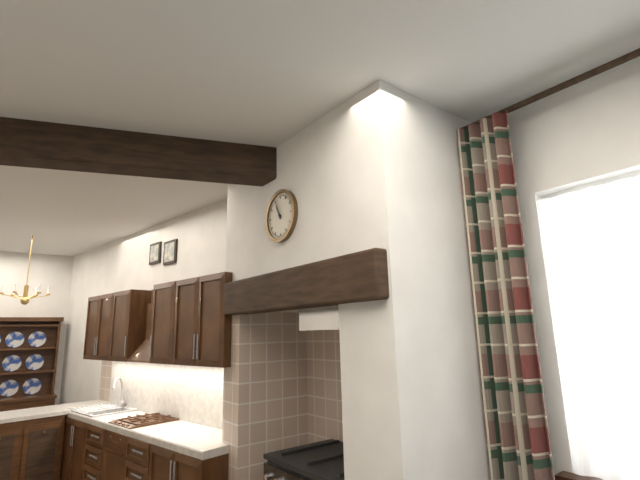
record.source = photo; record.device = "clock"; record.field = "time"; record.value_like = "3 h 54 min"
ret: 10 h 56 min
